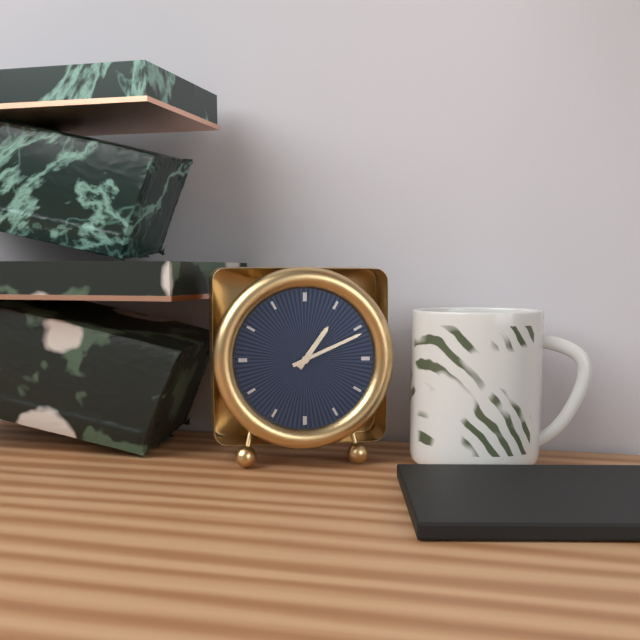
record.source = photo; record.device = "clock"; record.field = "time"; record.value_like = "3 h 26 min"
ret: 1 h 11 min
